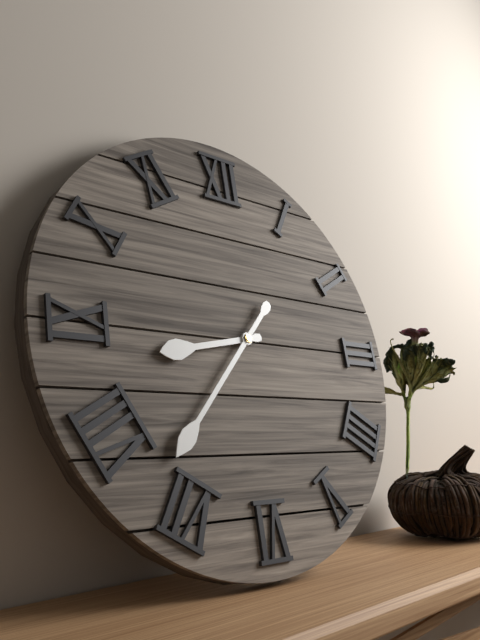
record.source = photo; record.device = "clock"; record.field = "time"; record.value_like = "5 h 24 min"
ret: 8 h 37 min
